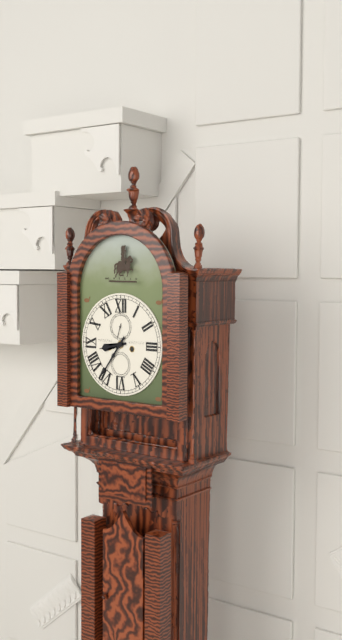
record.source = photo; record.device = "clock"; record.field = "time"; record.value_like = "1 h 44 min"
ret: 8 h 36 min
